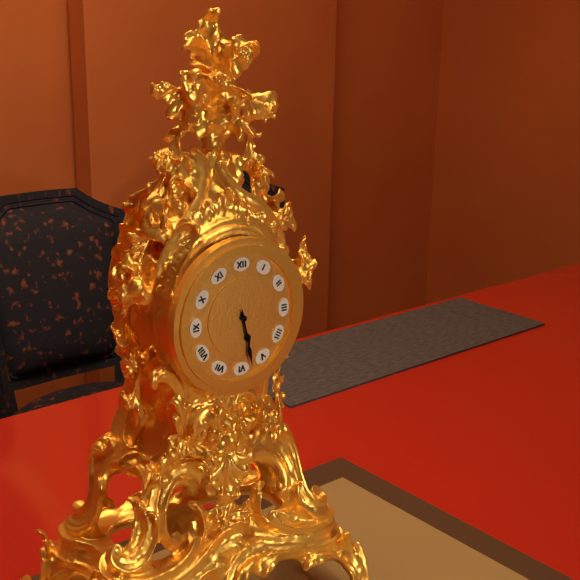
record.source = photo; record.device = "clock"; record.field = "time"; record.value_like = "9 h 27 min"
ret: 5 h 28 min
